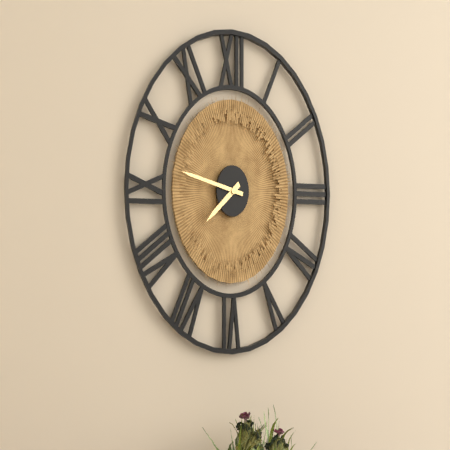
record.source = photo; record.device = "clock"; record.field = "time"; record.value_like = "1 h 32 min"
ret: 7 h 47 min
